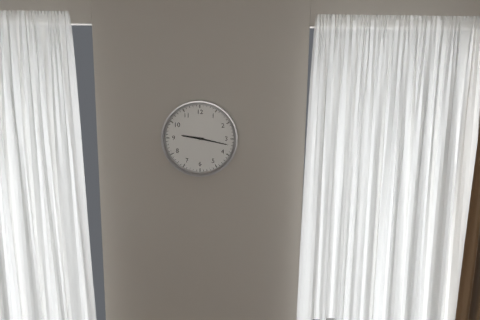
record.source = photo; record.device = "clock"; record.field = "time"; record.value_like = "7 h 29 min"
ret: 9 h 17 min
